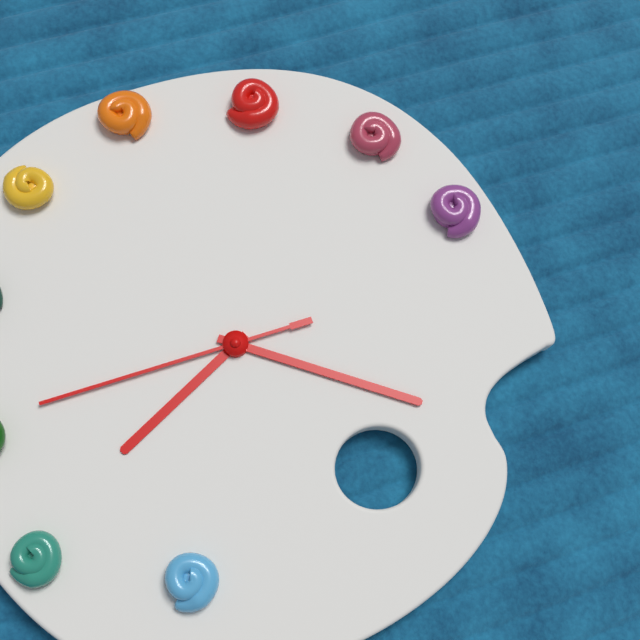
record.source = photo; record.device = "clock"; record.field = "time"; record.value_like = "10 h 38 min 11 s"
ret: 5 h 06 min 30 s
